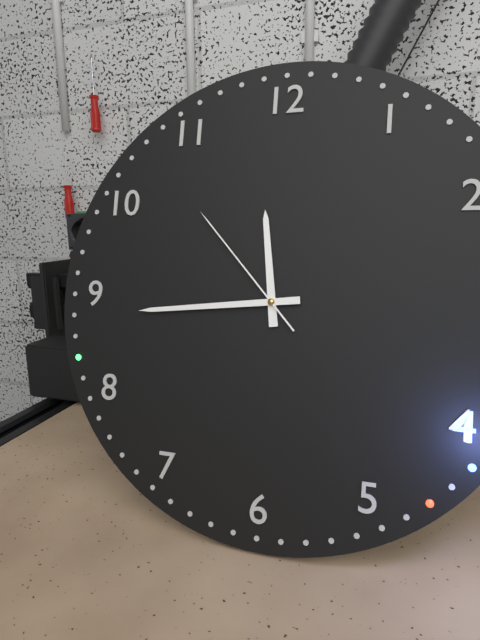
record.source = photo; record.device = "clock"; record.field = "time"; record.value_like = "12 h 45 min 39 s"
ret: 11 h 44 min 53 s
